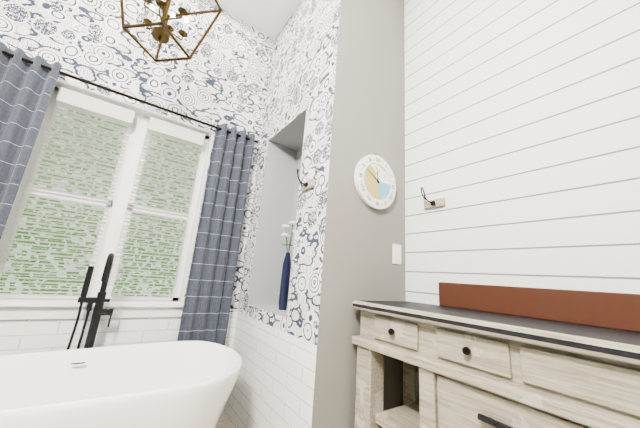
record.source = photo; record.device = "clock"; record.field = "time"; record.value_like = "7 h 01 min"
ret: 11 h 50 min
